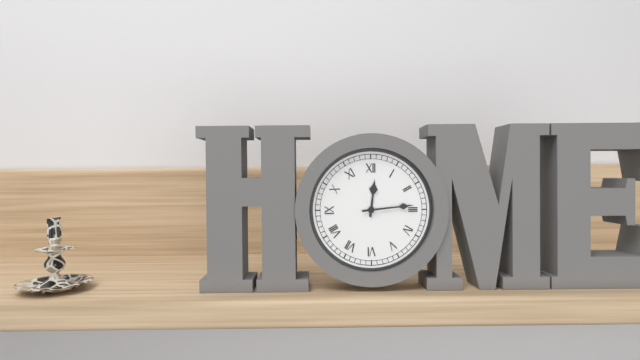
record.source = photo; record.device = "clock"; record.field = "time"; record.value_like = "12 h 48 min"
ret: 12 h 14 min
